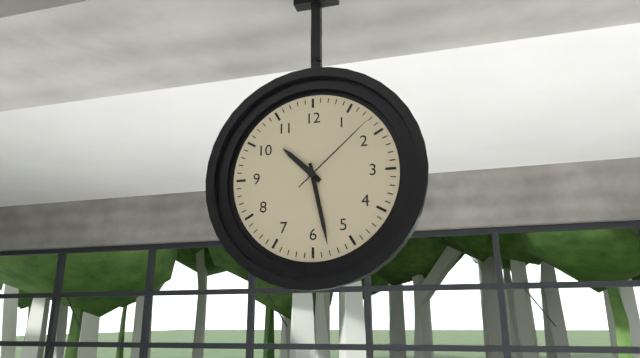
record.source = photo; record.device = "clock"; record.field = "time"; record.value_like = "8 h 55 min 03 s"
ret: 10 h 28 min 08 s
